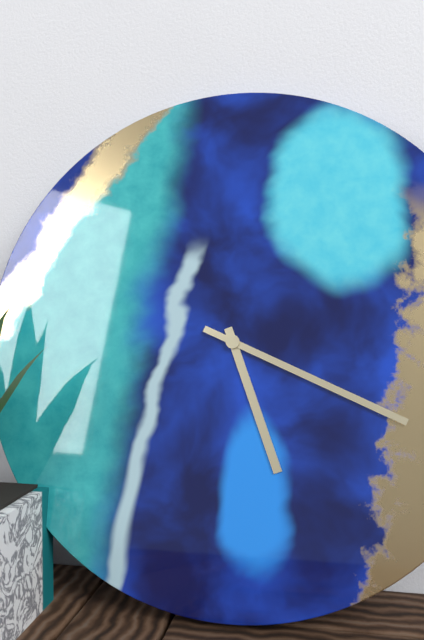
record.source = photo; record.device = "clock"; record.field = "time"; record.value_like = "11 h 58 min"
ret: 5 h 19 min
